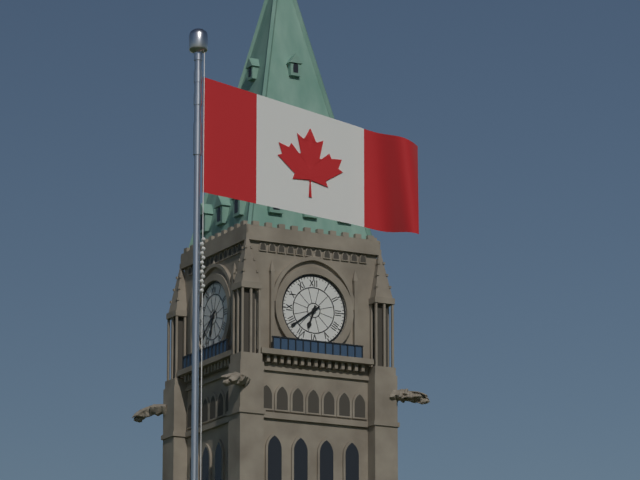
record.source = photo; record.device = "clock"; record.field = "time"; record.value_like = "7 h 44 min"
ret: 6 h 39 min
